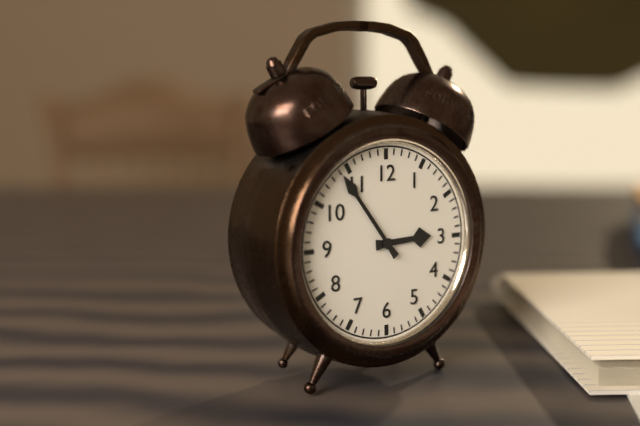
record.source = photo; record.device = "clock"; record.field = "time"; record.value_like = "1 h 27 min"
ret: 2 h 54 min
